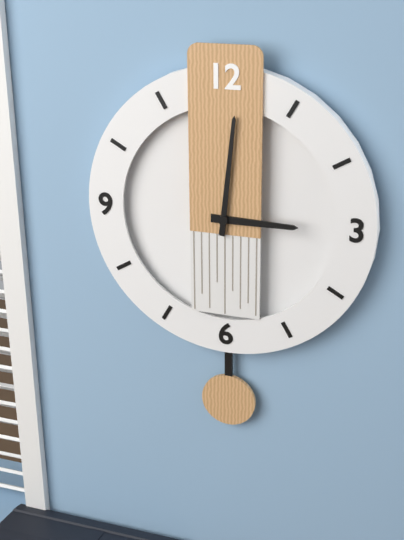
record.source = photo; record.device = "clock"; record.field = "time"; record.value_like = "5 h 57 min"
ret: 3 h 01 min
